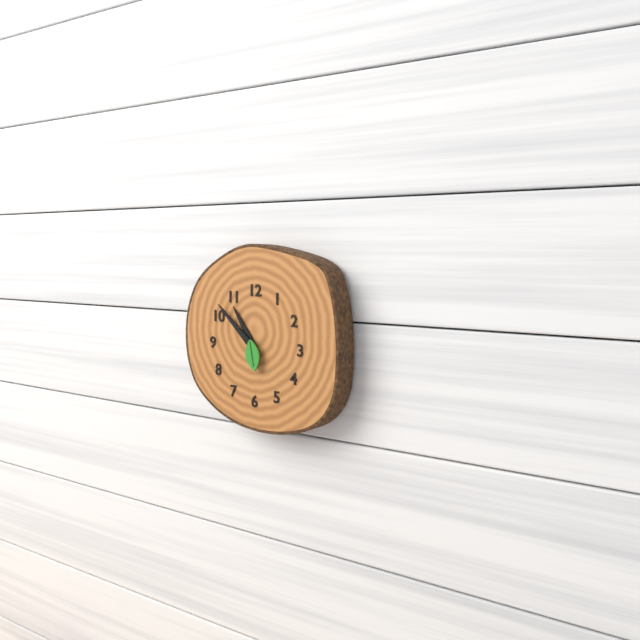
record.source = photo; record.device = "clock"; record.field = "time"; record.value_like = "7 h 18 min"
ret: 10 h 52 min
